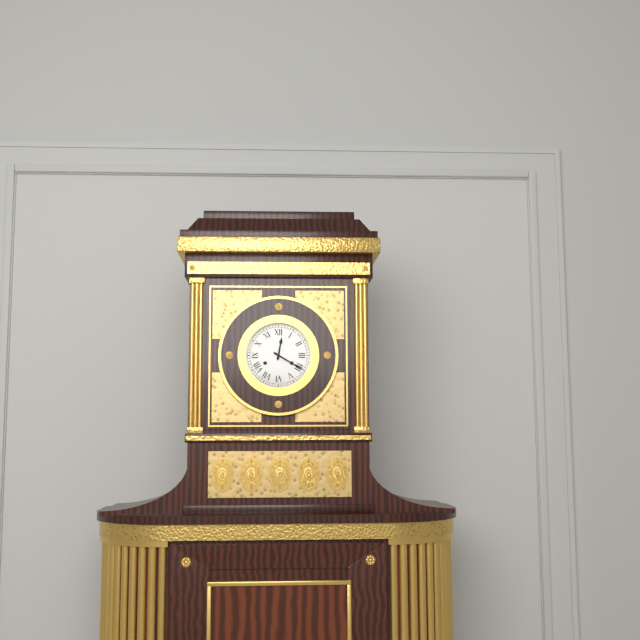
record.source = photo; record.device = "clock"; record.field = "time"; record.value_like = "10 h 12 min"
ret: 12 h 20 min
